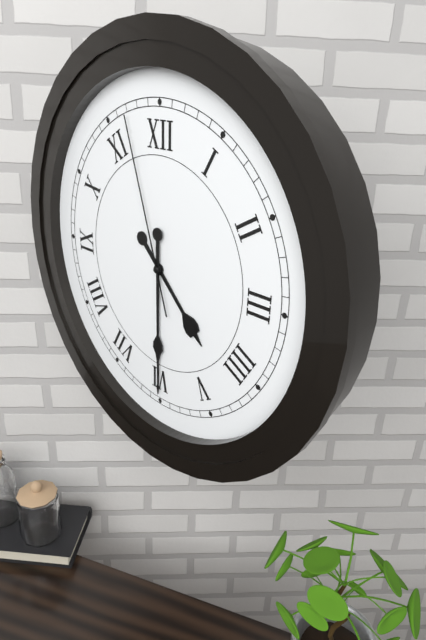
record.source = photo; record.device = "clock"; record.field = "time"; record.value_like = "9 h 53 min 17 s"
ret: 4 h 30 min 57 s
